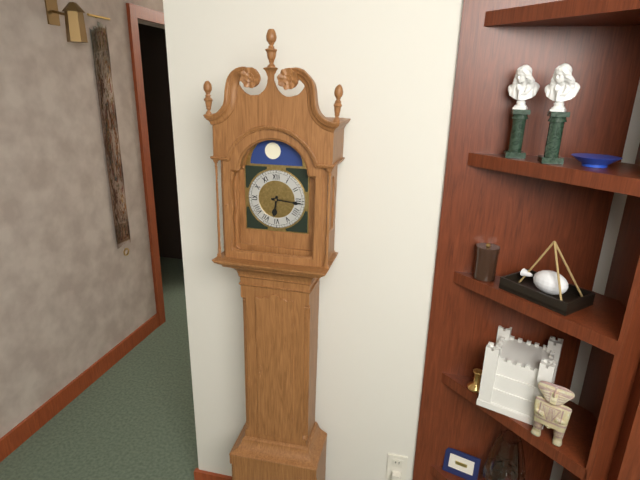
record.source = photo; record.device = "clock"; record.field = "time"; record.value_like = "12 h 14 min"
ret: 6 h 16 min
